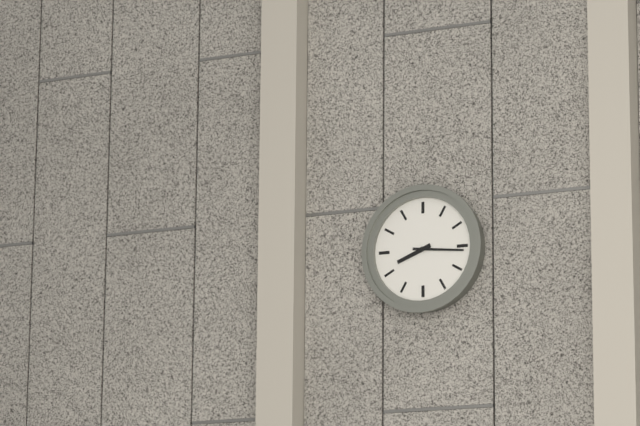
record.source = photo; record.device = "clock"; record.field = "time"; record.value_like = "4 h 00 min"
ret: 8 h 16 min
